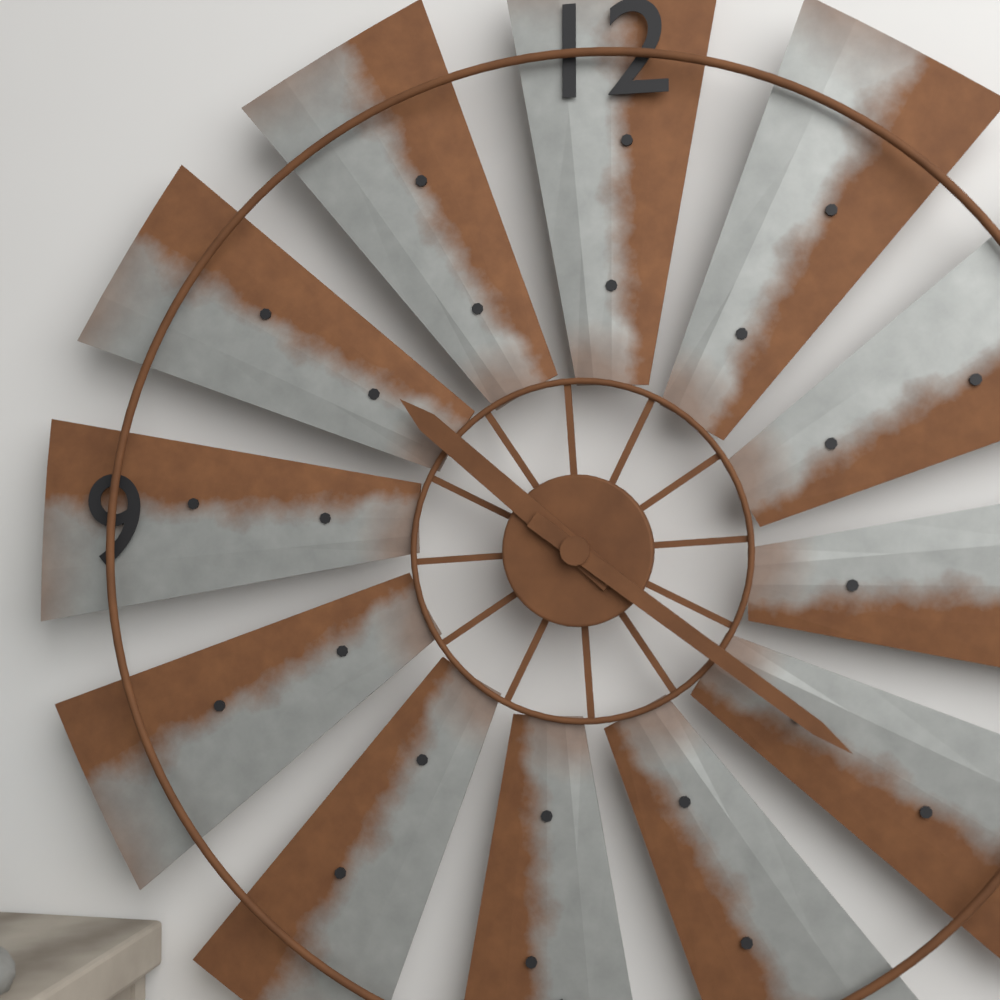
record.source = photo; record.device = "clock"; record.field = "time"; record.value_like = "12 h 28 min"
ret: 10 h 21 min
